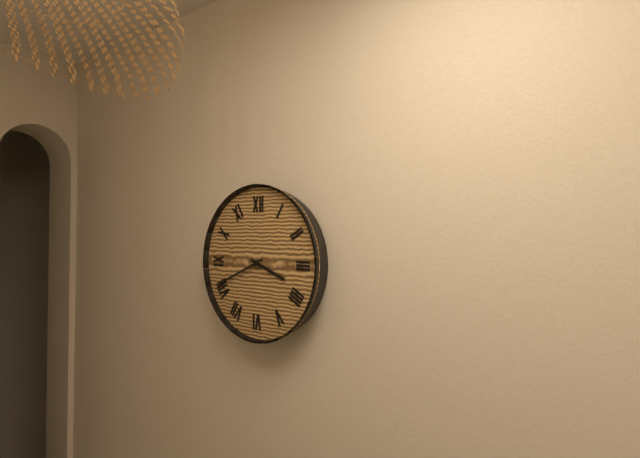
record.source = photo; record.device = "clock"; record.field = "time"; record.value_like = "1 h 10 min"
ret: 3 h 41 min
